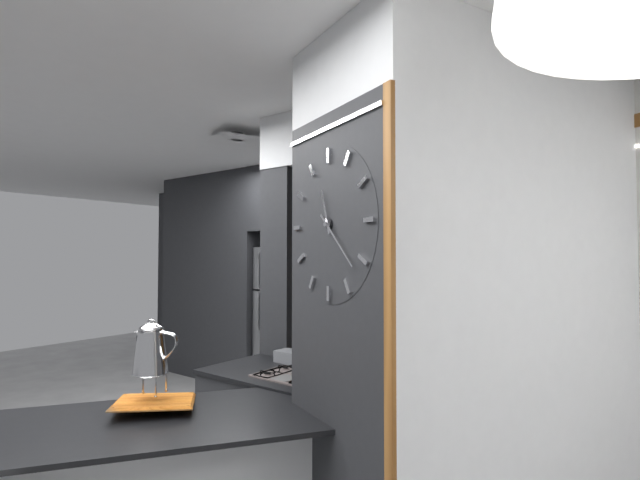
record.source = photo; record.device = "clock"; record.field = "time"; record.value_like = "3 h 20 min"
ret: 11 h 22 min
